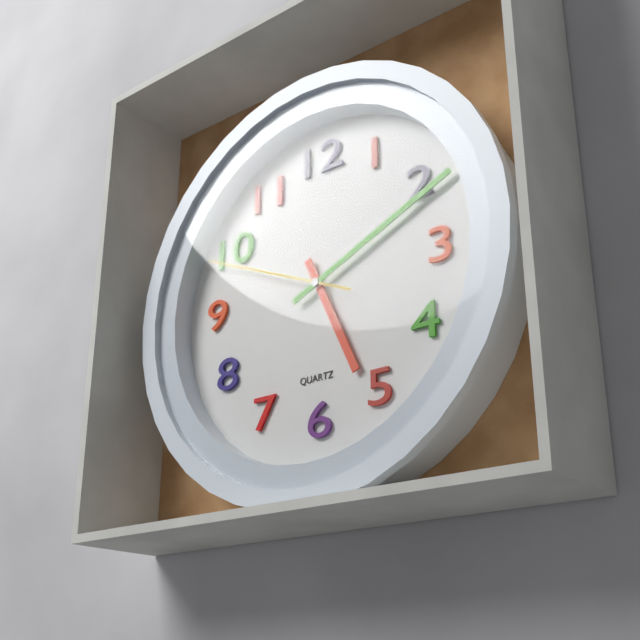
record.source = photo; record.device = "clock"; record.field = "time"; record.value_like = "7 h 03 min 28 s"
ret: 5 h 11 min 49 s
